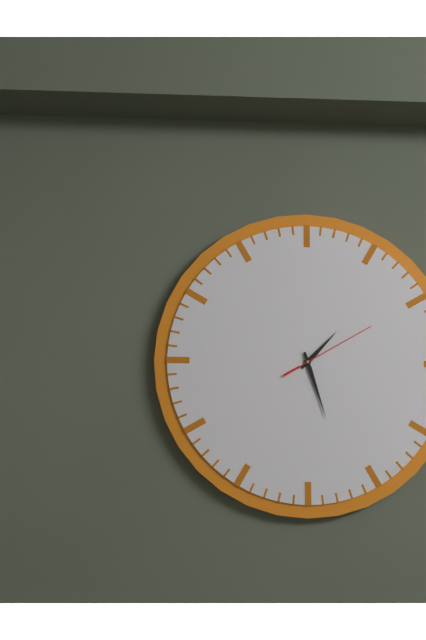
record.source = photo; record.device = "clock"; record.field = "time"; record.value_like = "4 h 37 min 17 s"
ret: 1 h 27 min 10 s
